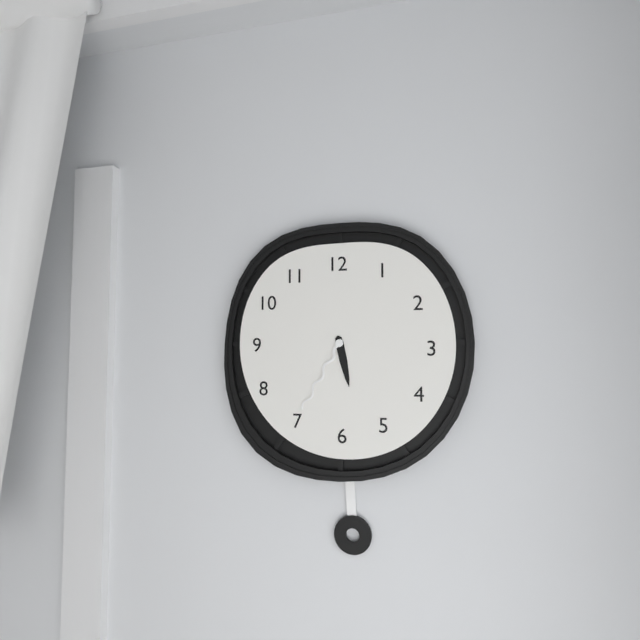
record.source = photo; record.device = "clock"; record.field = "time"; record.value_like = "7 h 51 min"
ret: 5 h 35 min
